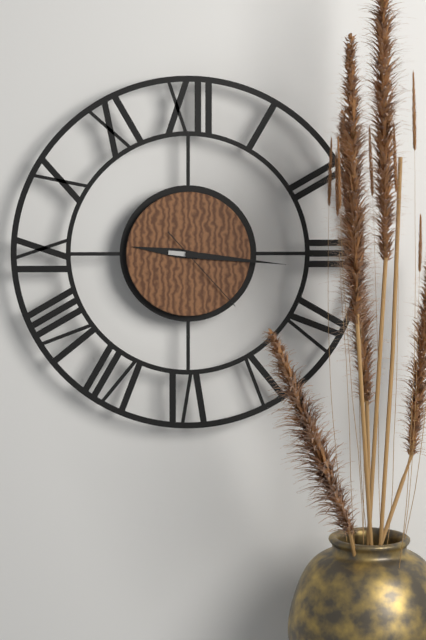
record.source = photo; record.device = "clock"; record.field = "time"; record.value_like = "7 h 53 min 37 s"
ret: 9 h 16 min 23 s
